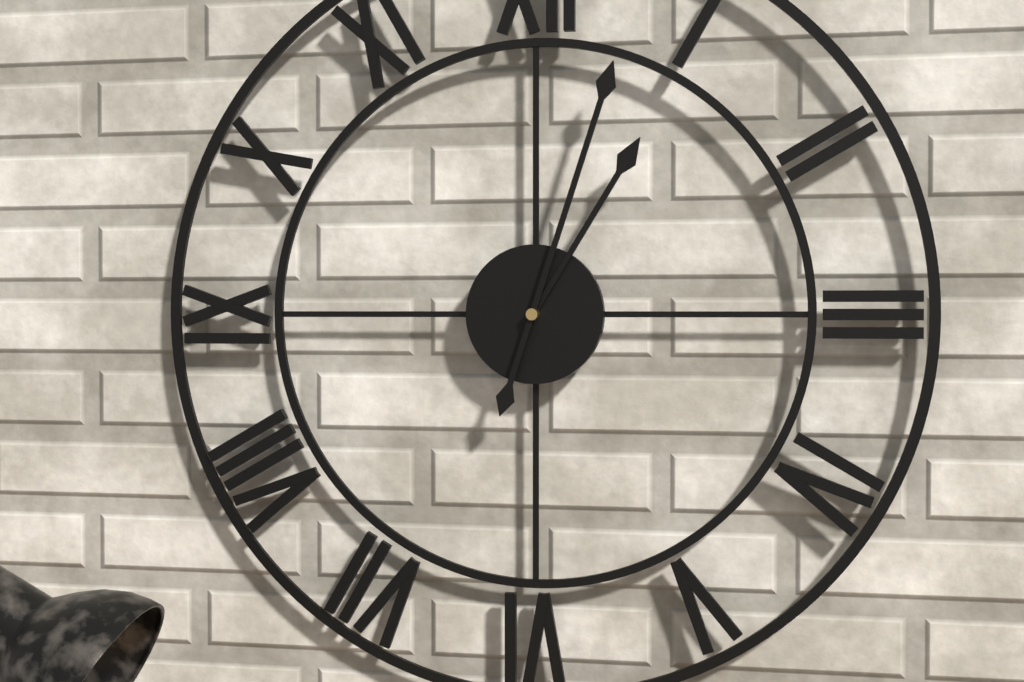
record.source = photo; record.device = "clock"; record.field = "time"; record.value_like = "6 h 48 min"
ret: 1 h 03 min
